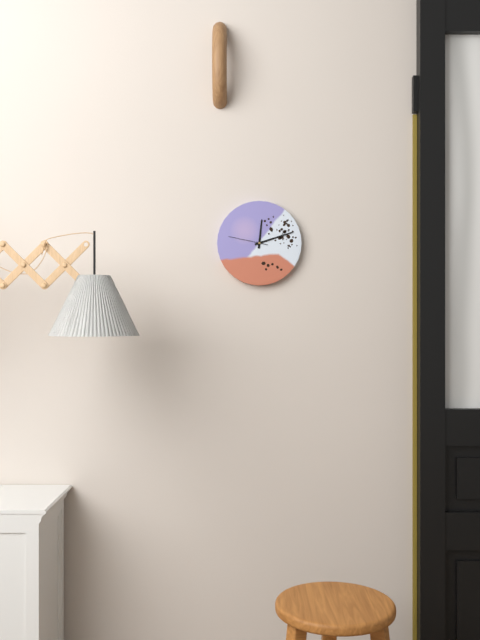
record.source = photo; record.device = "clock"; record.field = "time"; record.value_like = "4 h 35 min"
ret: 12 h 12 min
